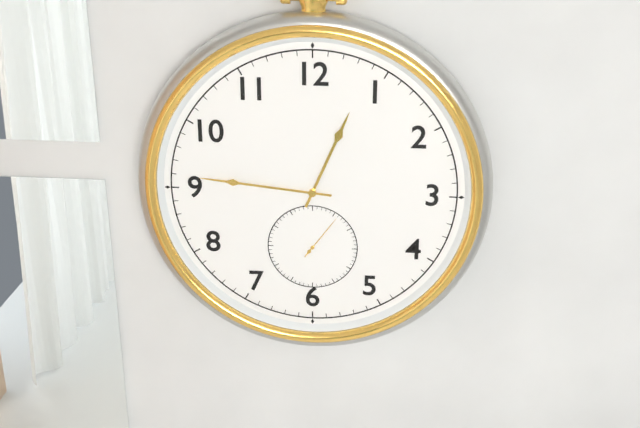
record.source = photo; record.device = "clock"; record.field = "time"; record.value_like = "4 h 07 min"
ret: 12 h 46 min
